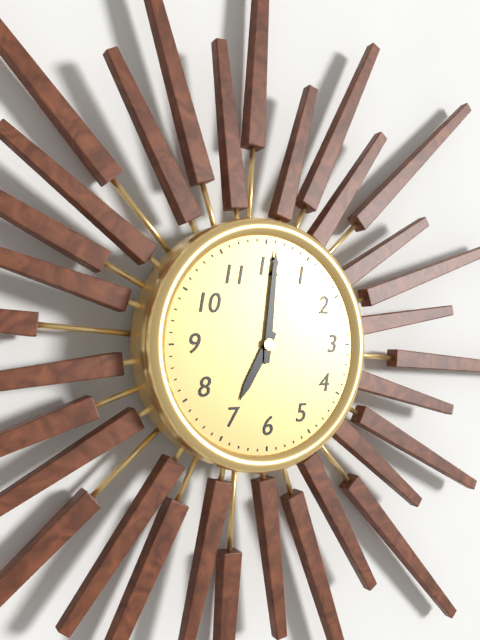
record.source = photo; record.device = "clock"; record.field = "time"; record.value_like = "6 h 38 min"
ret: 7 h 01 min
